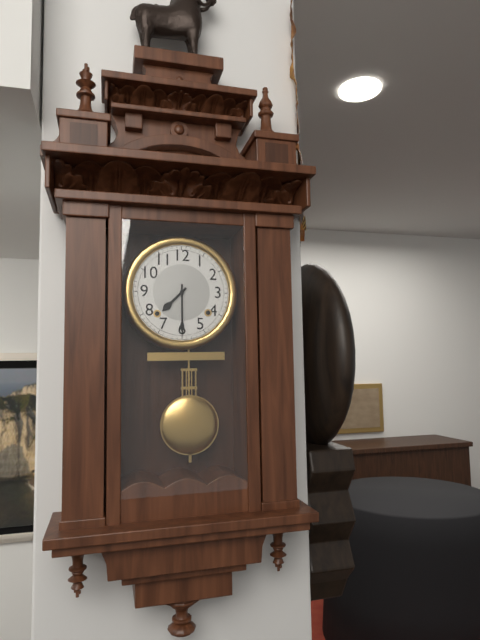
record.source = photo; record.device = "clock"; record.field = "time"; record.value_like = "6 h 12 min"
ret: 7 h 30 min
